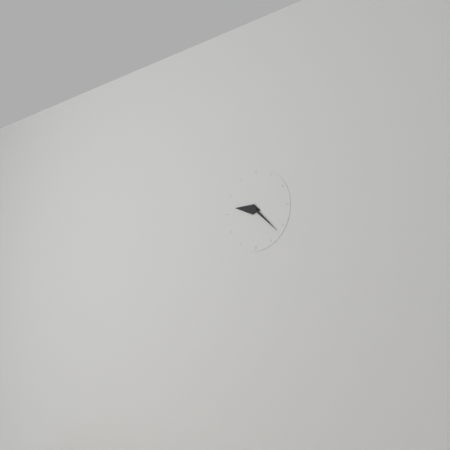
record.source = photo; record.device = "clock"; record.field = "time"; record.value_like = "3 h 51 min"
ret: 9 h 22 min
